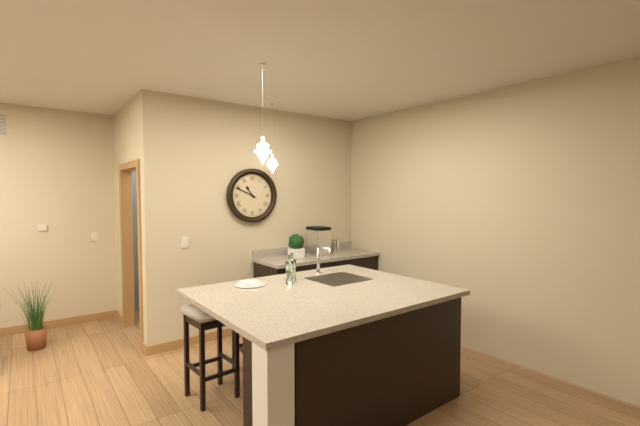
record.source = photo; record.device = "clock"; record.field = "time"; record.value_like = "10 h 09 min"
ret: 10 h 49 min
